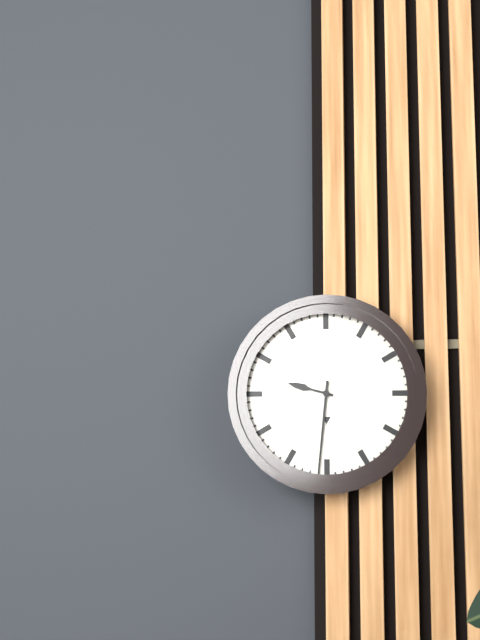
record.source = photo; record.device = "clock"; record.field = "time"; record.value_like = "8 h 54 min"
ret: 9 h 31 min
